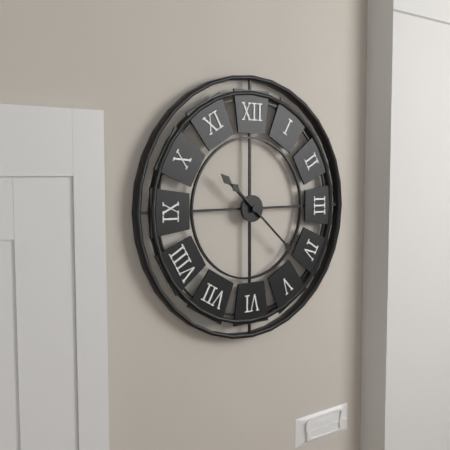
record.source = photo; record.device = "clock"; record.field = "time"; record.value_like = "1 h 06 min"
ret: 10 h 22 min
